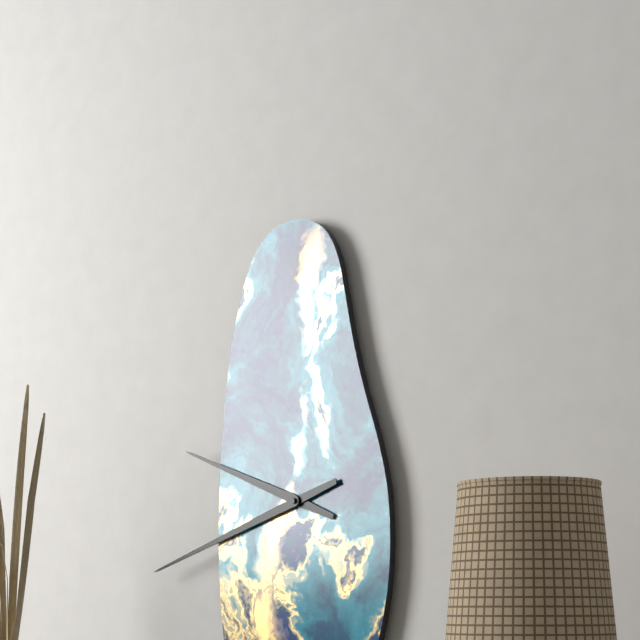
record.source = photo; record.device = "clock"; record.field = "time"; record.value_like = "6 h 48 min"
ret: 9 h 42 min
